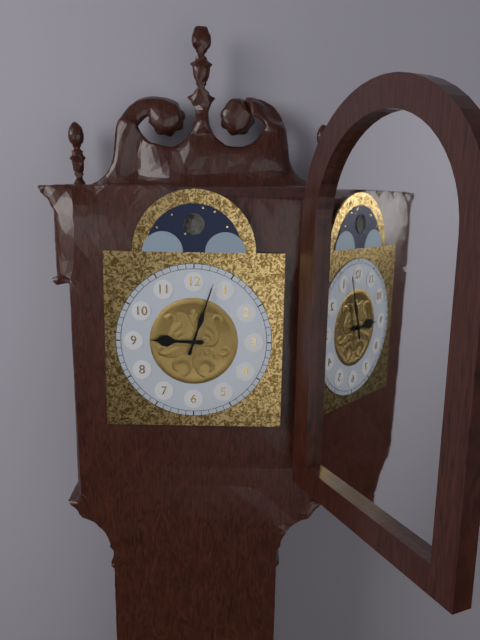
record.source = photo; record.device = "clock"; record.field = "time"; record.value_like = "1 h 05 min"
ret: 9 h 03 min
